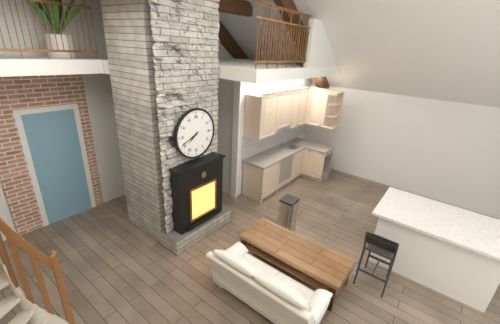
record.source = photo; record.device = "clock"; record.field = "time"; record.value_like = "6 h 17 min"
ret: 7 h 41 min
